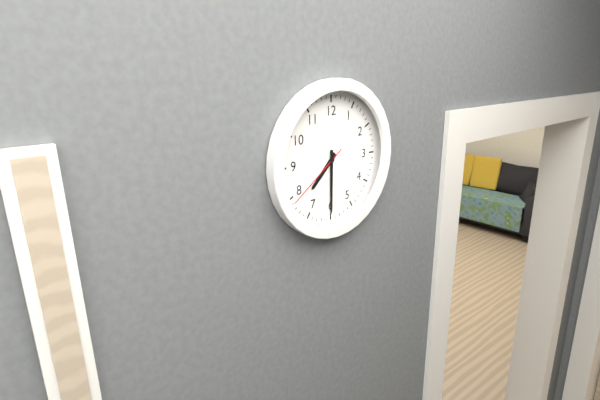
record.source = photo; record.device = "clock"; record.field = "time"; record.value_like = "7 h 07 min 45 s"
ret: 7 h 30 min 39 s
